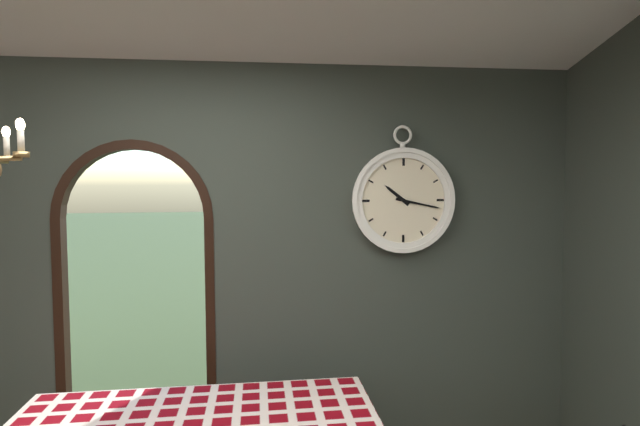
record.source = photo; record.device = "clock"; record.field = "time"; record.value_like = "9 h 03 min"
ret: 10 h 17 min
